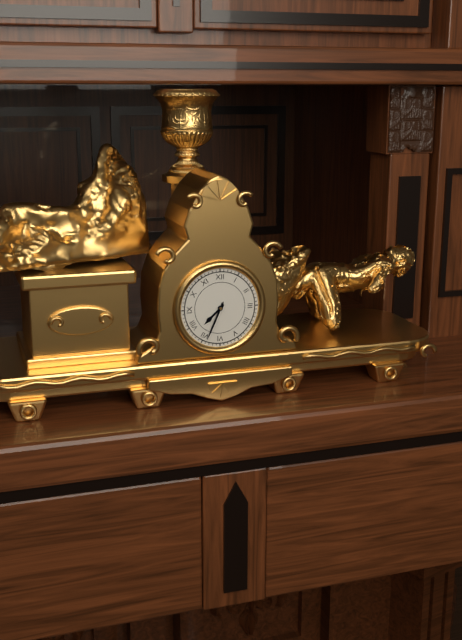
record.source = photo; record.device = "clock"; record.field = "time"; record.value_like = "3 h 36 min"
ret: 7 h 34 min
